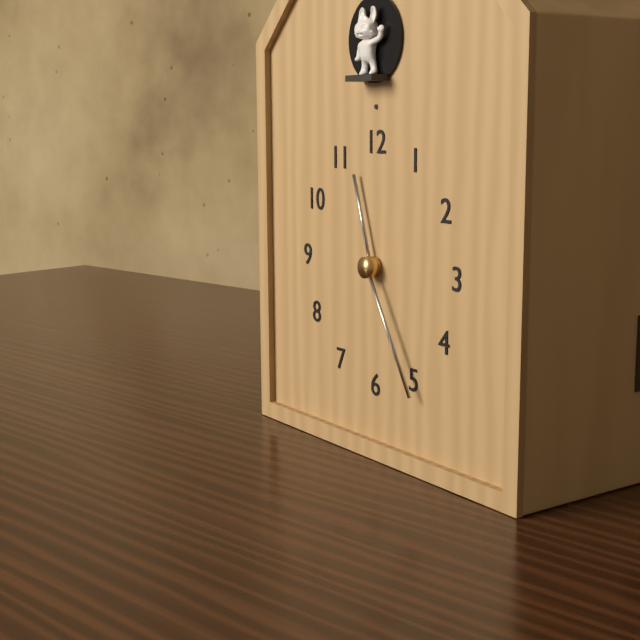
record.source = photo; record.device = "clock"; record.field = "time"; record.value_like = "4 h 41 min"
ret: 11 h 25 min
